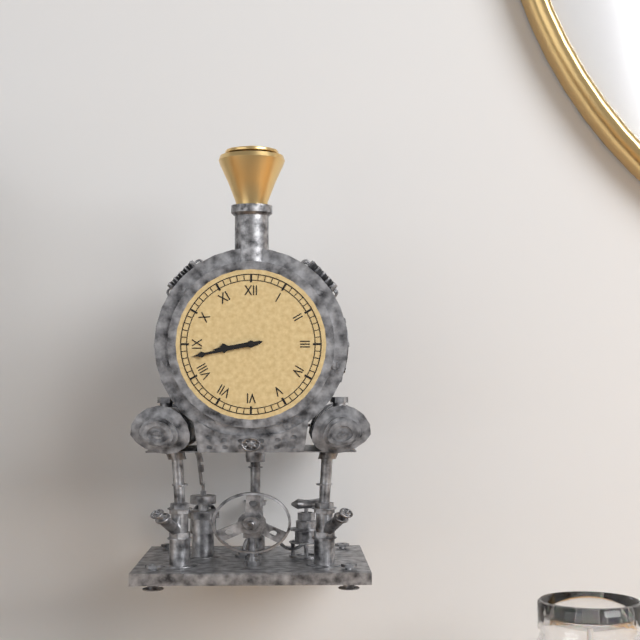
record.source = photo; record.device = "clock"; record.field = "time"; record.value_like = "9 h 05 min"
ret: 8 h 43 min
